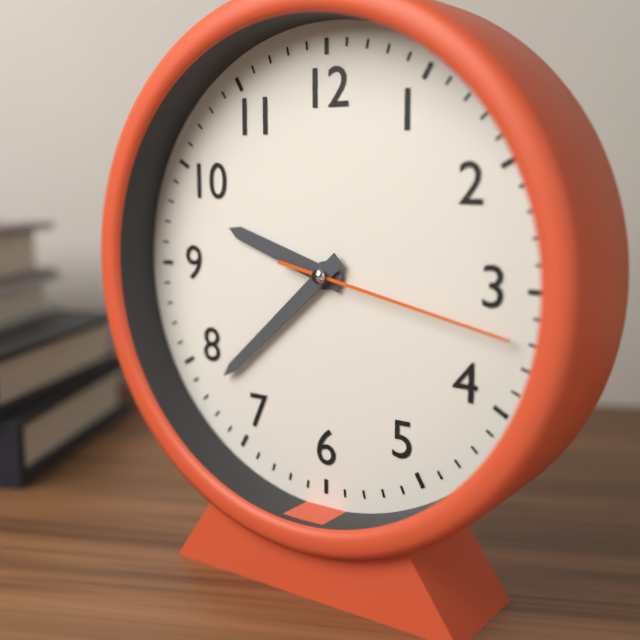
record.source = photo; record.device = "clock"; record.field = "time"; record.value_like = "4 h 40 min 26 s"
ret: 9 h 38 min 17 s
